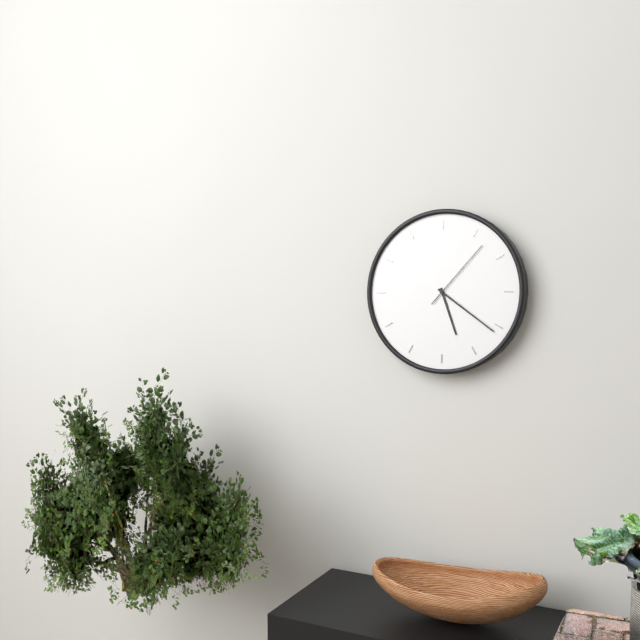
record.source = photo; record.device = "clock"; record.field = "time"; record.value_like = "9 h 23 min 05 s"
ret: 5 h 21 min 07 s
